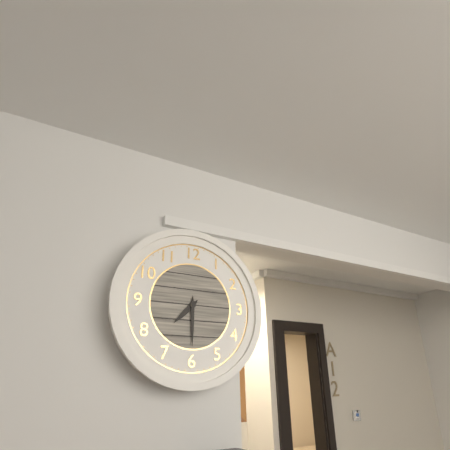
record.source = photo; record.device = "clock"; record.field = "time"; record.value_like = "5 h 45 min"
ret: 7 h 30 min
